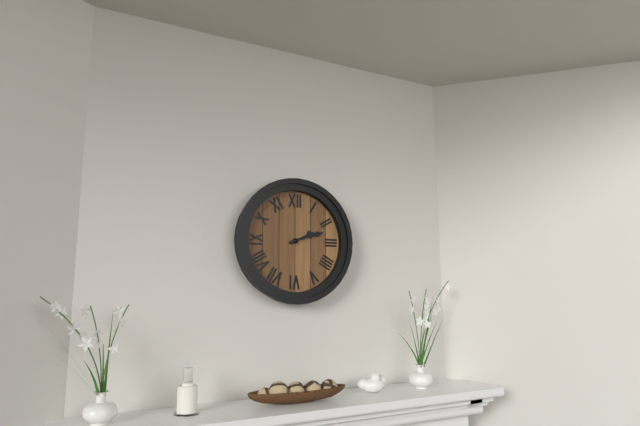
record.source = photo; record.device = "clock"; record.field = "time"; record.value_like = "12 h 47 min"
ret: 2 h 12 min
